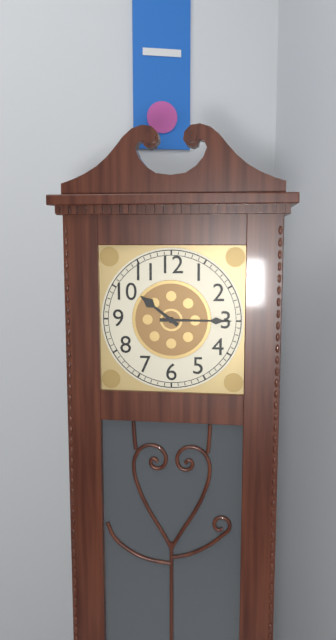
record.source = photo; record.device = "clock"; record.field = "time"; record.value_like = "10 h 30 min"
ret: 10 h 15 min
